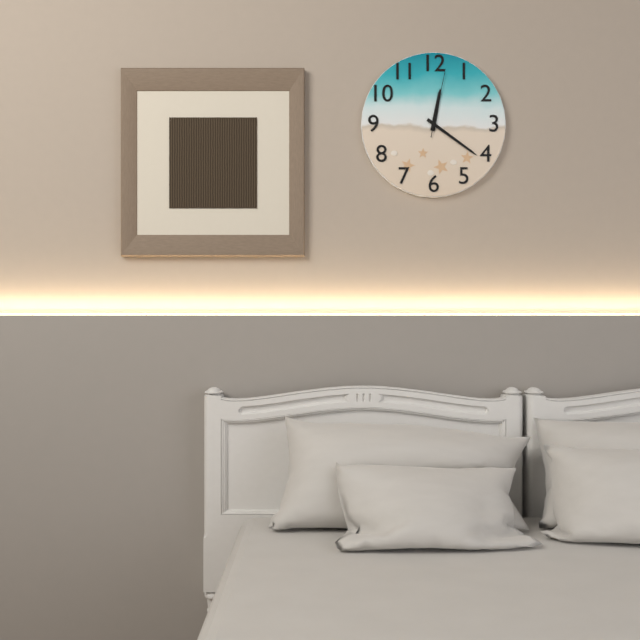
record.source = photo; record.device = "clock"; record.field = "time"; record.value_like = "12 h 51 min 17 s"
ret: 12 h 21 min 02 s
